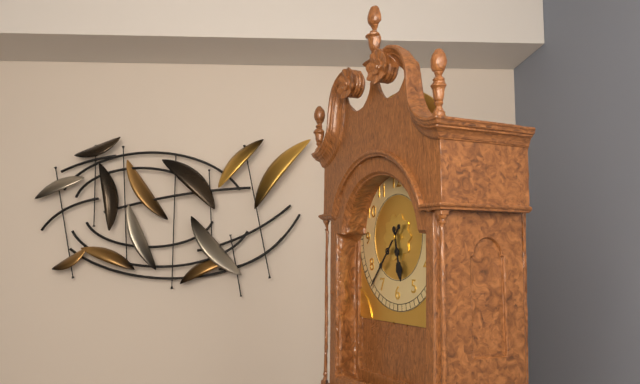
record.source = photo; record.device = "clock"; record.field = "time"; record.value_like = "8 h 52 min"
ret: 5 h 37 min
